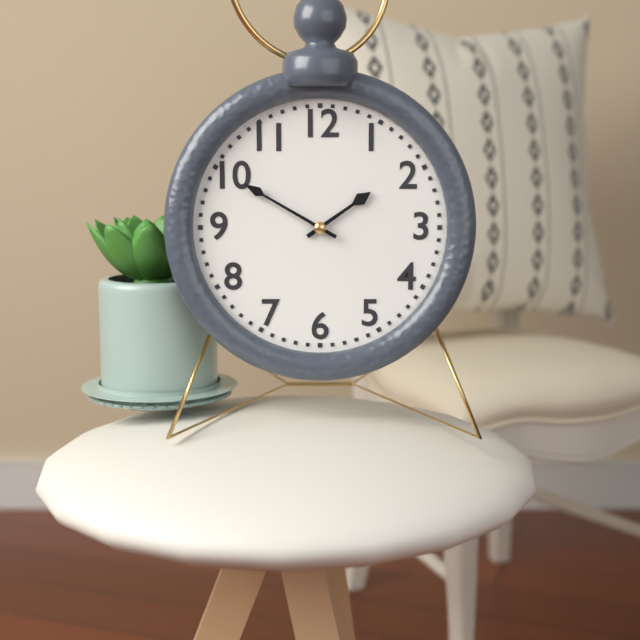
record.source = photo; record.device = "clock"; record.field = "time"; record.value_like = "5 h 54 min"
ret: 1 h 50 min
